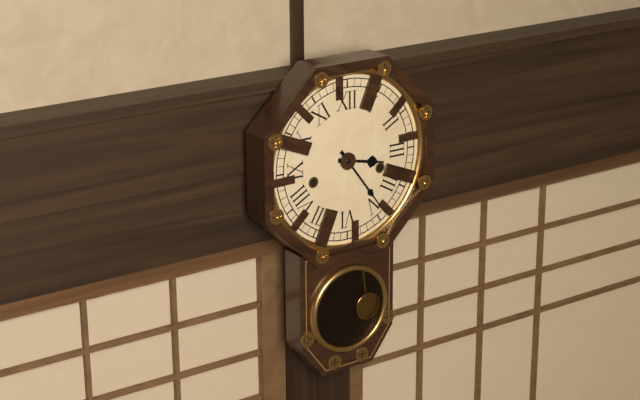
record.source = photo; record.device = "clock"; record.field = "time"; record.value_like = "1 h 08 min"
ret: 3 h 24 min
